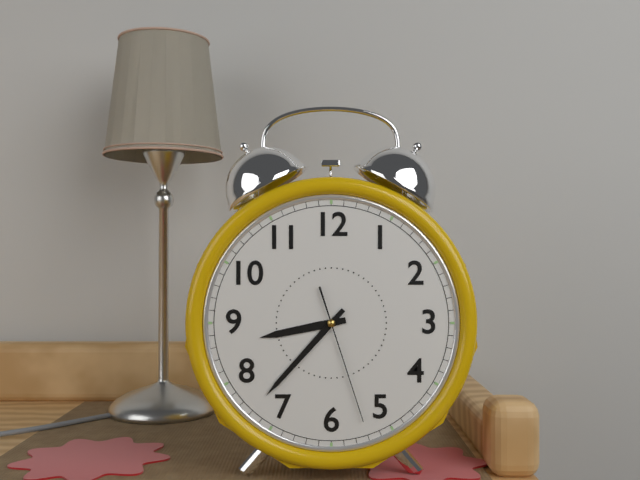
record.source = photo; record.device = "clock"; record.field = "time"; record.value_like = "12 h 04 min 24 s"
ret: 8 h 37 min 27 s
